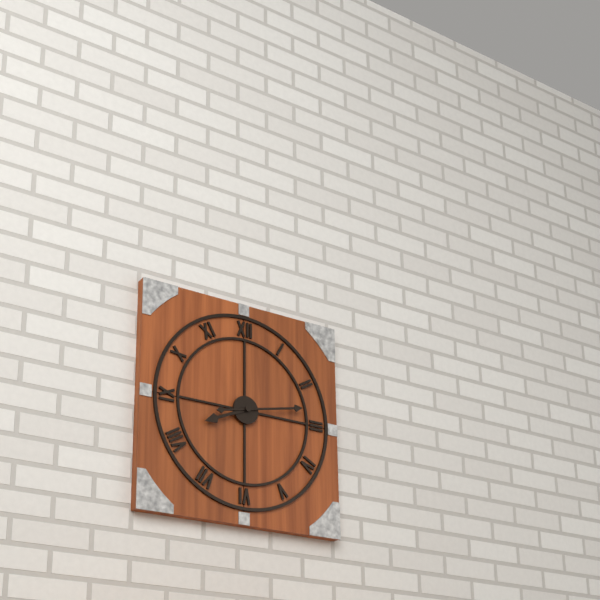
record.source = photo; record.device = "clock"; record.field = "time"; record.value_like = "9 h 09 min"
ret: 8 h 13 min
